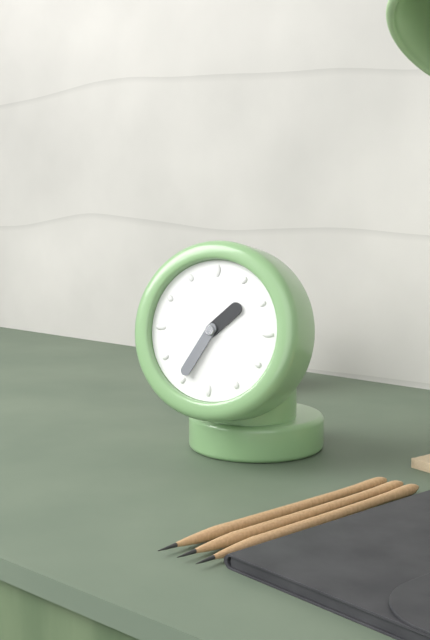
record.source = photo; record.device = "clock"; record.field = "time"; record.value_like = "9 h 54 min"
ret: 1 h 35 min
